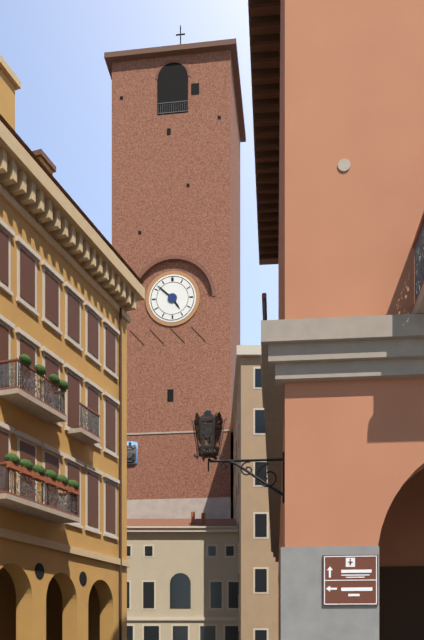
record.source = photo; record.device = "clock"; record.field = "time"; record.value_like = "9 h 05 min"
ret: 4 h 52 min
